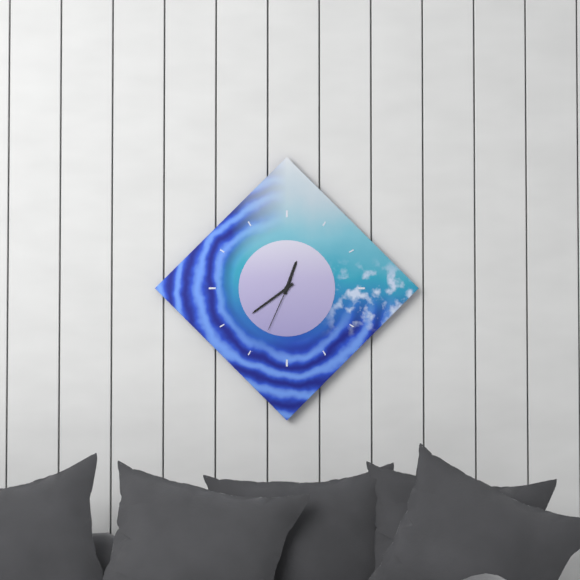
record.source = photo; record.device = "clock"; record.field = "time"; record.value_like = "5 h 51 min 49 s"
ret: 12 h 39 min 34 s
